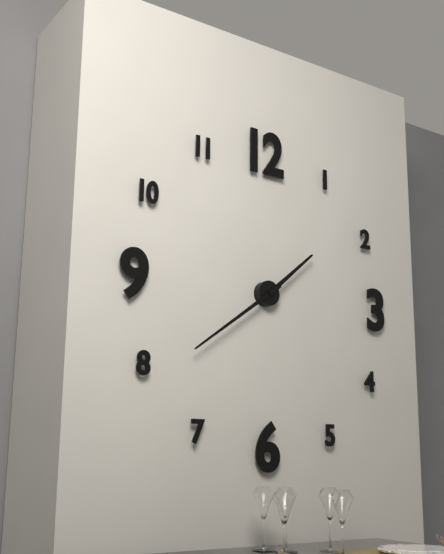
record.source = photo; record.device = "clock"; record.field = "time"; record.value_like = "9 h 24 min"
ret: 1 h 39 min
